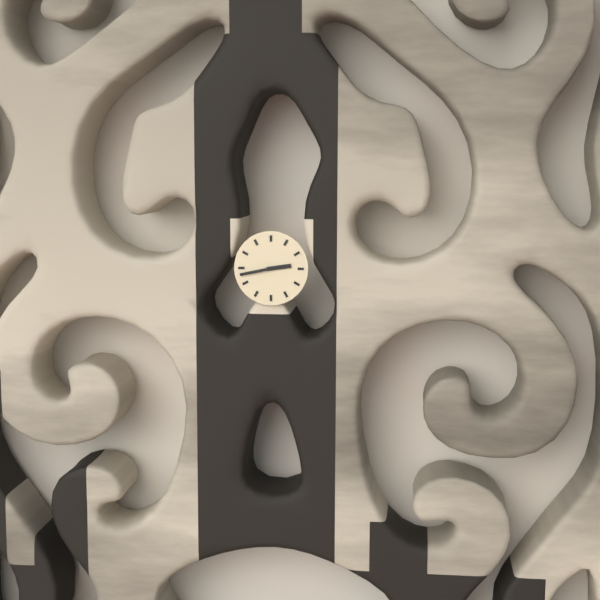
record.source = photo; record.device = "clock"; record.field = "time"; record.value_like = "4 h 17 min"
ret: 2 h 43 min
